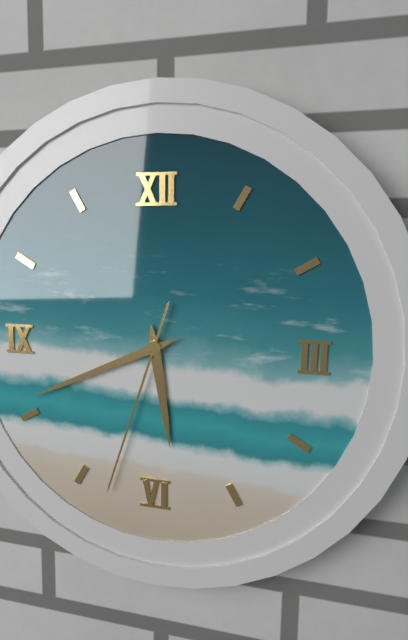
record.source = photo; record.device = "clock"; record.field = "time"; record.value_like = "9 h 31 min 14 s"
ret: 5 h 41 min 33 s
